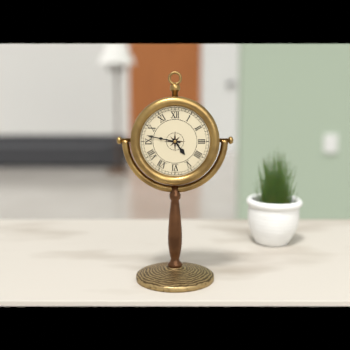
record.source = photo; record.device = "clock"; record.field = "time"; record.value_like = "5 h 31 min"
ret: 4 h 47 min
